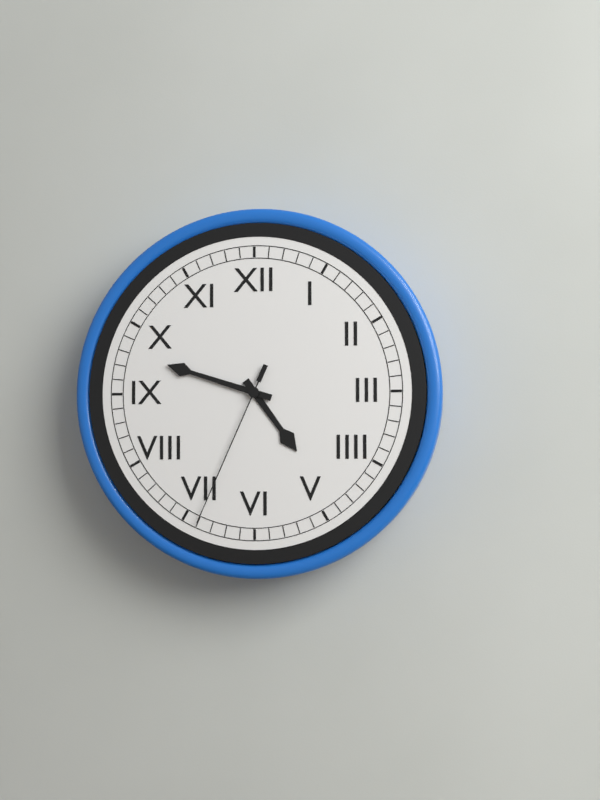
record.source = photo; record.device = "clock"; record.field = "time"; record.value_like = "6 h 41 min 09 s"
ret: 4 h 48 min 34 s
